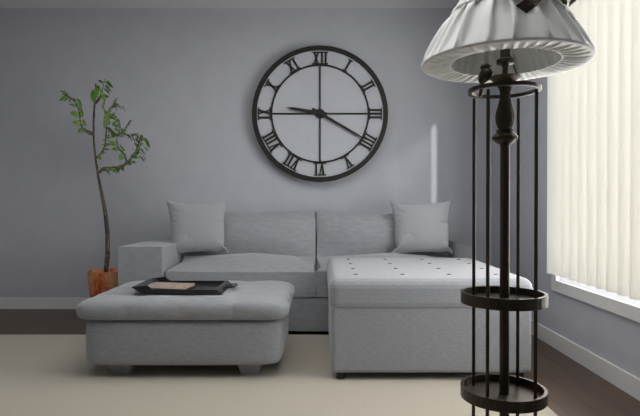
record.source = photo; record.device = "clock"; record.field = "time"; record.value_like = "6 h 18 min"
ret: 9 h 20 min
